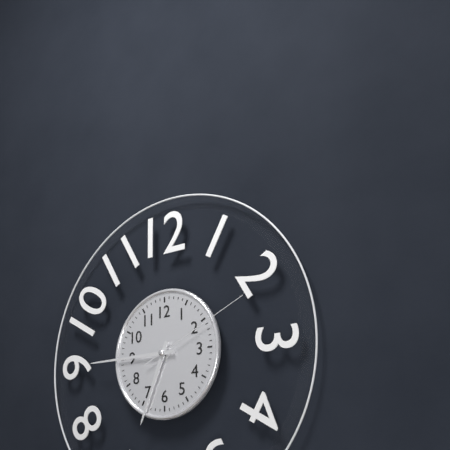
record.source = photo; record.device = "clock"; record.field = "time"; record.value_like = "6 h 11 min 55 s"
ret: 6 h 45 min 11 s
